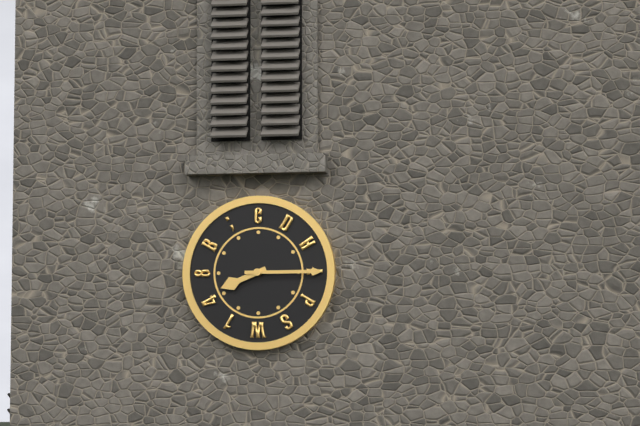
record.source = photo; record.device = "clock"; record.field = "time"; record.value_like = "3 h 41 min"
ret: 8 h 15 min
